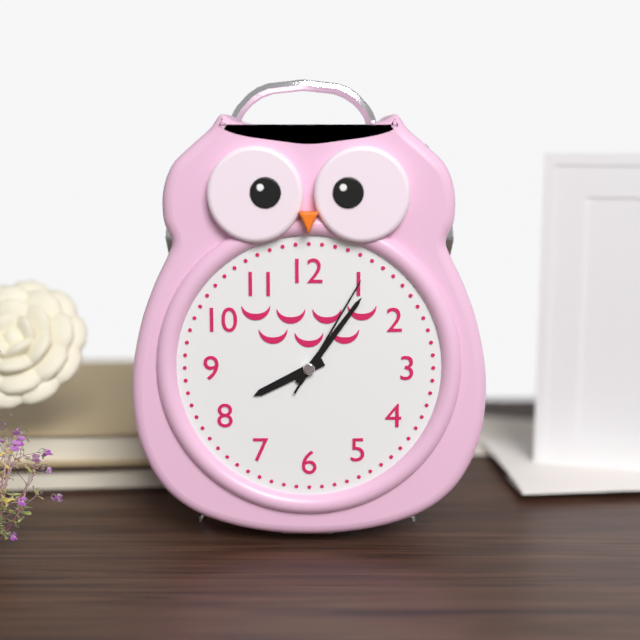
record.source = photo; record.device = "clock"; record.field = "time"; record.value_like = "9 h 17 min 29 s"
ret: 8 h 06 min 05 s
